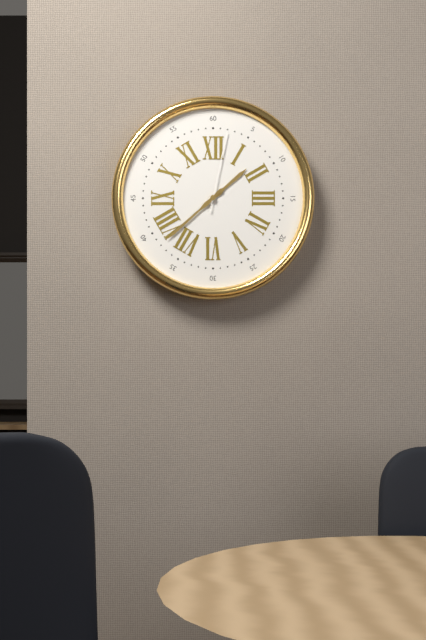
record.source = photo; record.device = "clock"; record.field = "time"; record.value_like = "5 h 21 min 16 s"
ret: 1 h 38 min 02 s
